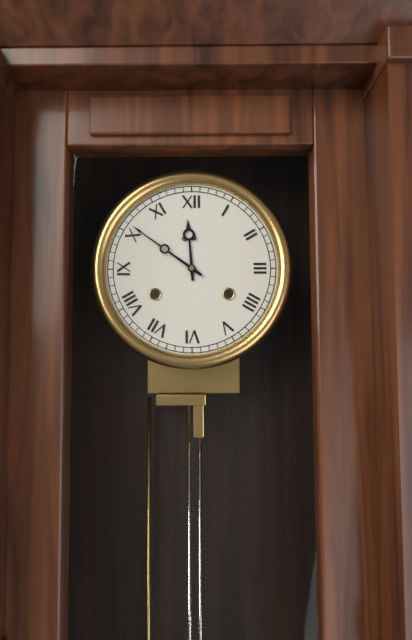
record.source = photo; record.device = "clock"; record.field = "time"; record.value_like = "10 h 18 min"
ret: 11 h 51 min
